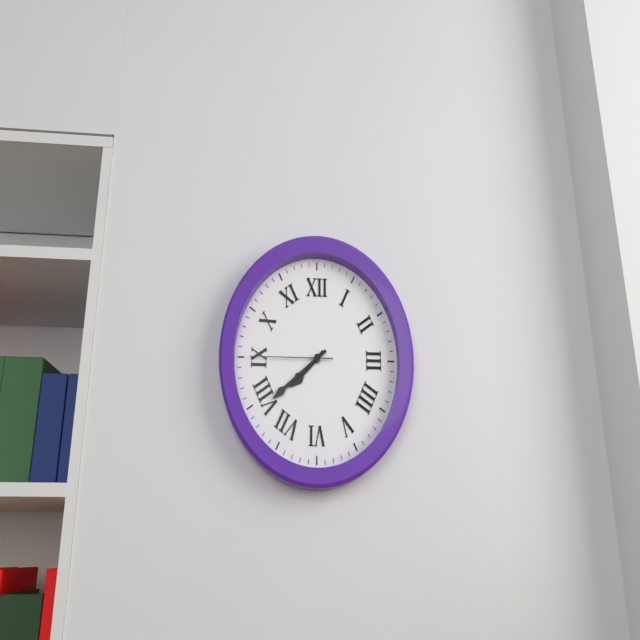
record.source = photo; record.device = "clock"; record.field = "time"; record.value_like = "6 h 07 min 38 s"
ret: 7 h 39 min 45 s
